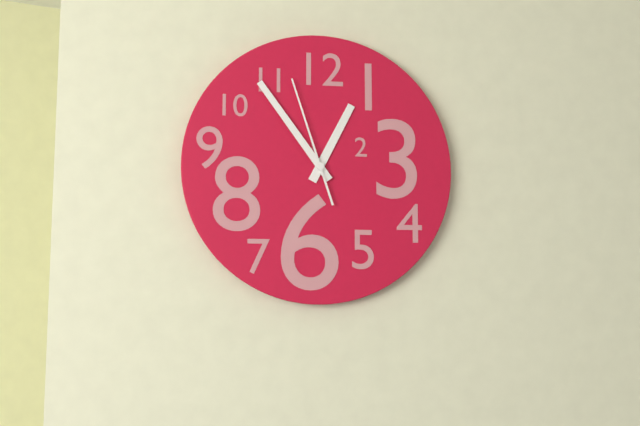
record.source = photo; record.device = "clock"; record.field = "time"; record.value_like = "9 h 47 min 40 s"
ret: 12 h 54 min 57 s
